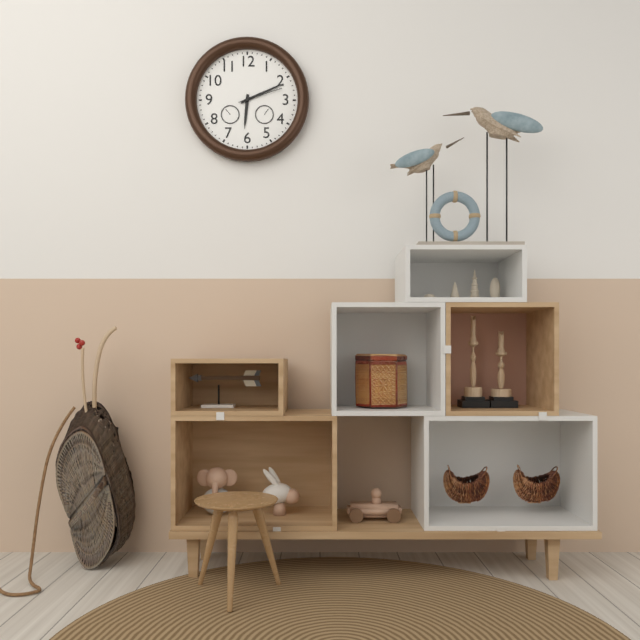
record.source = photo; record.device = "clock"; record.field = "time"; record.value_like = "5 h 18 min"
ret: 6 h 11 min
